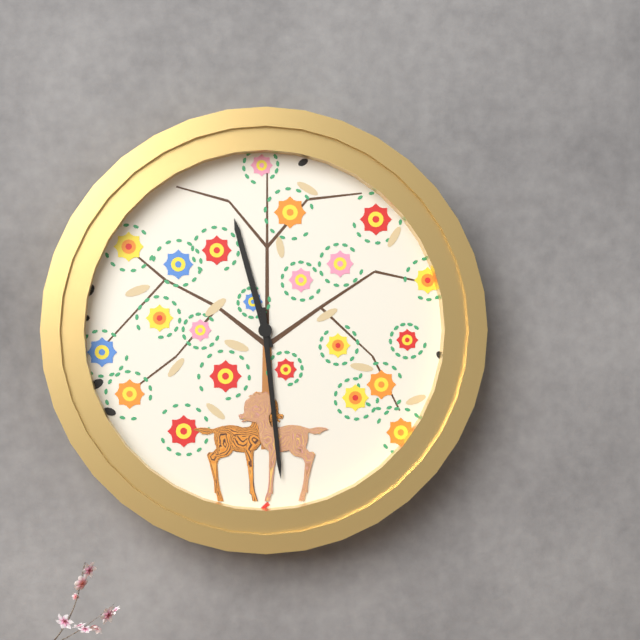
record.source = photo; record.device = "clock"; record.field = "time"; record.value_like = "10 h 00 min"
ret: 11 h 29 min
